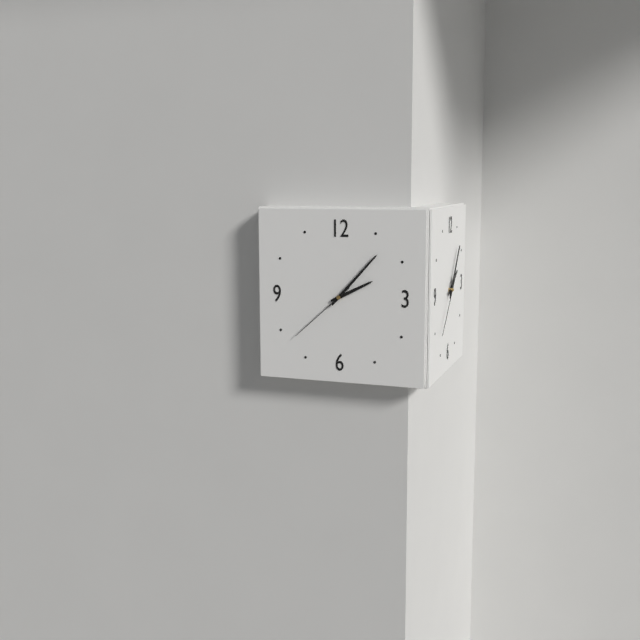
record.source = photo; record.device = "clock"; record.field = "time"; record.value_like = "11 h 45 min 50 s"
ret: 2 h 07 min 38 s
